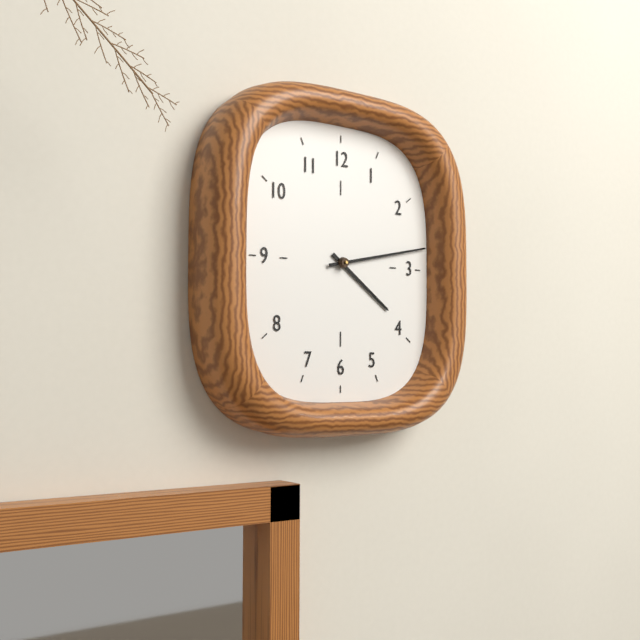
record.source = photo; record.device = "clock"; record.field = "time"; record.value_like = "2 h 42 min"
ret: 4 h 13 min
